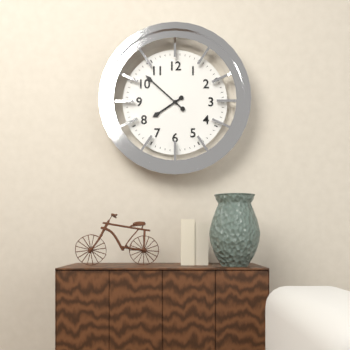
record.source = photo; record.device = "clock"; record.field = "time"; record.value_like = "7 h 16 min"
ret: 7 h 52 min
